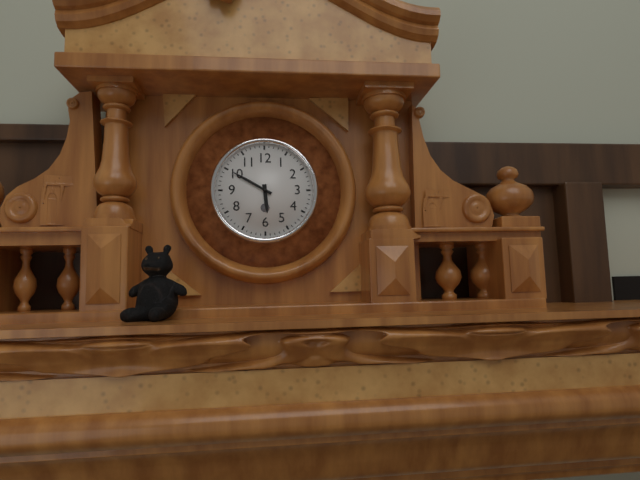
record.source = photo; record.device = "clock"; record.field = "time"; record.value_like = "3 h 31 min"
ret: 5 h 50 min
